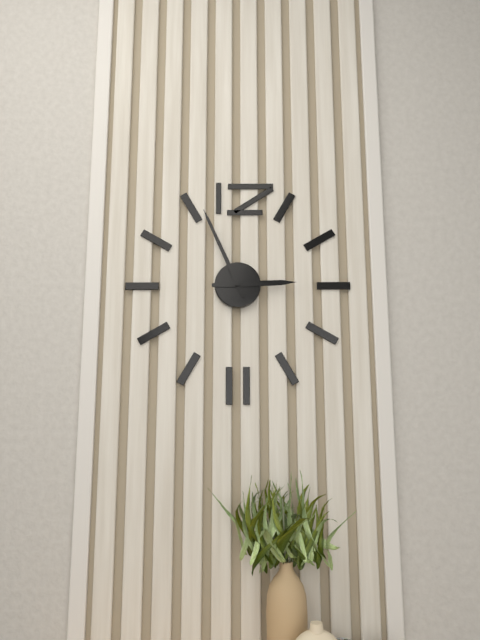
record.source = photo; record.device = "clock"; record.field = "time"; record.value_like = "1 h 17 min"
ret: 2 h 56 min
